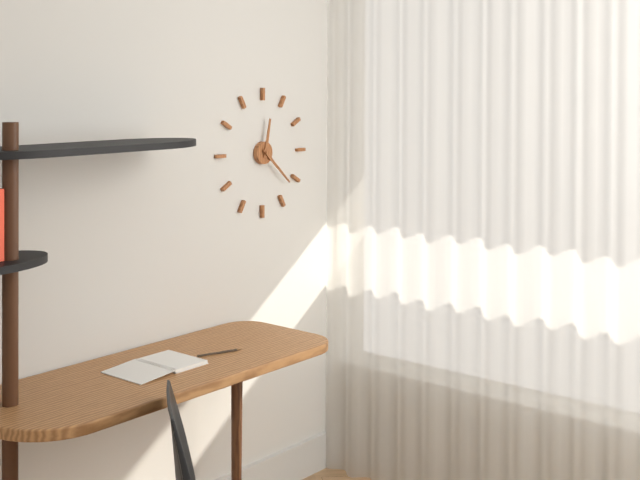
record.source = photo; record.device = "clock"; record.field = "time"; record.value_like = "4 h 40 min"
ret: 12 h 22 min
